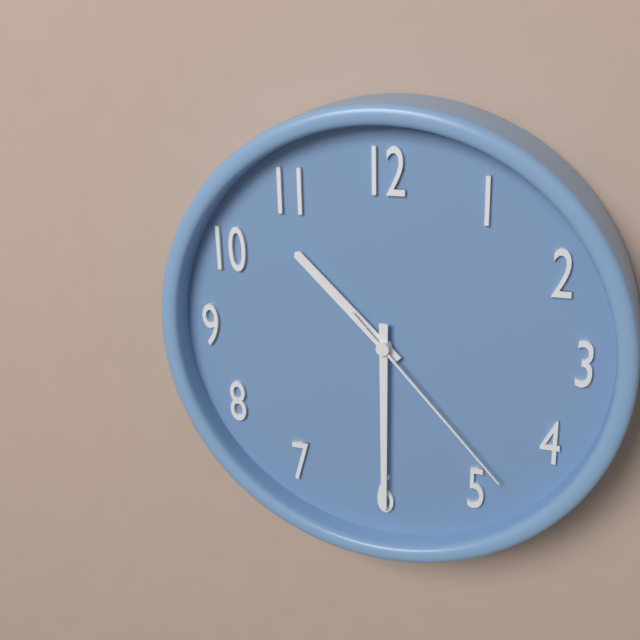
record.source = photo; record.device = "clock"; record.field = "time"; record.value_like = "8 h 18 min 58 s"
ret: 10 h 30 min 23 s
